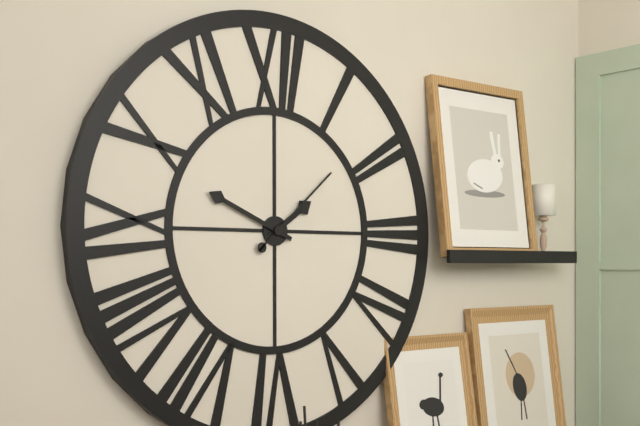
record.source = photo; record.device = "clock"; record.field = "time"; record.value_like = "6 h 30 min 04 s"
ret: 1 h 49 min 08 s
